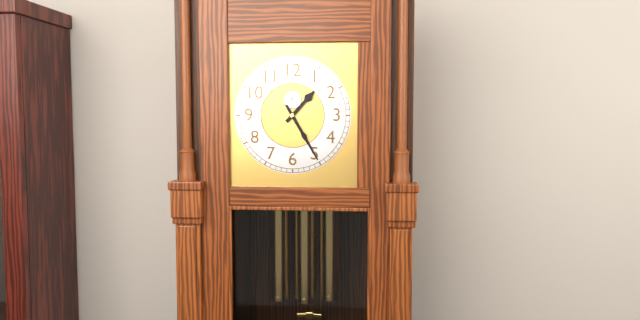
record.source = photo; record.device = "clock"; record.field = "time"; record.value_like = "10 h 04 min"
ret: 1 h 25 min
